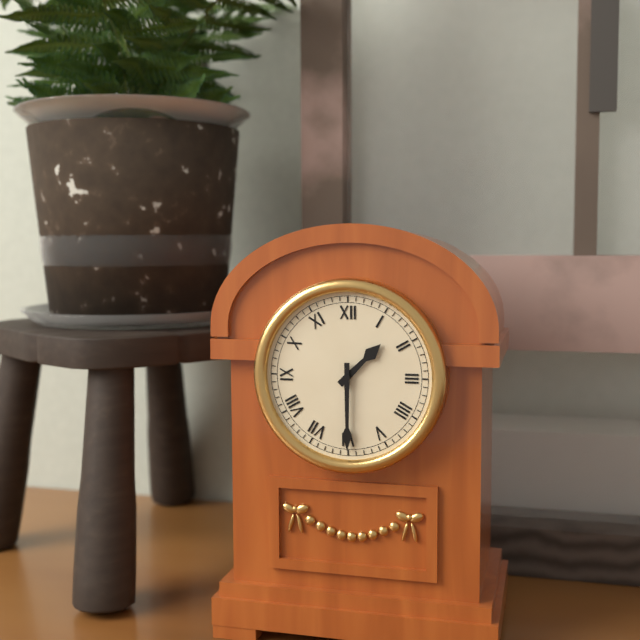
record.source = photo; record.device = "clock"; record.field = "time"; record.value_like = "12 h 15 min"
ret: 1 h 30 min
